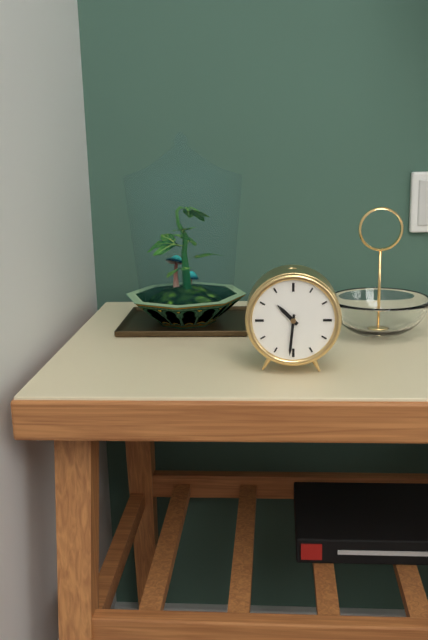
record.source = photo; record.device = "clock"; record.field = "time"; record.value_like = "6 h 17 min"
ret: 10 h 31 min
